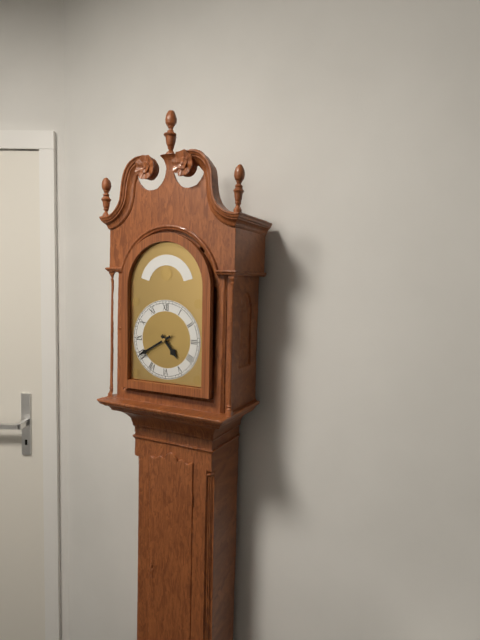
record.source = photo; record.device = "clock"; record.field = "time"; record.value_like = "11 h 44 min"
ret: 4 h 40 min
